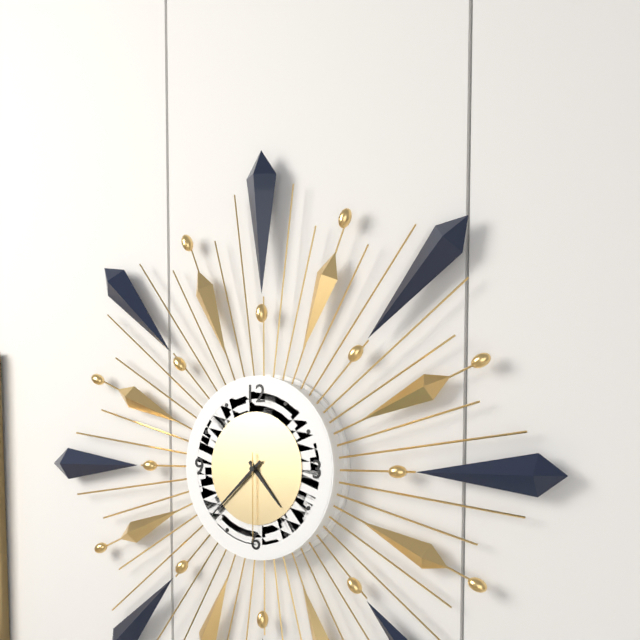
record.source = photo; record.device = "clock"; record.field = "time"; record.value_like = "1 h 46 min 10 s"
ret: 4 h 38 min 30 s
